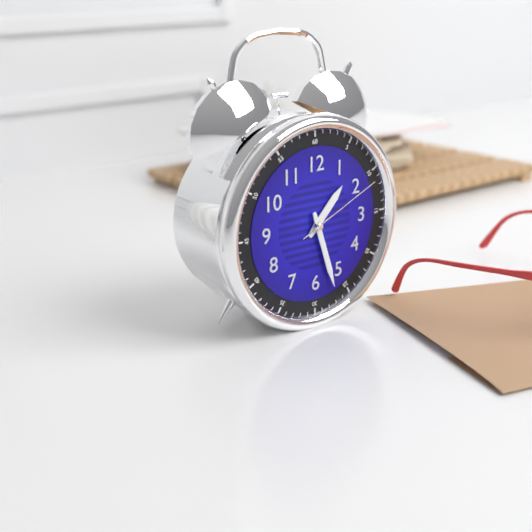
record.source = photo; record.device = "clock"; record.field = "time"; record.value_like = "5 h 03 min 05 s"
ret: 1 h 27 min 11 s
